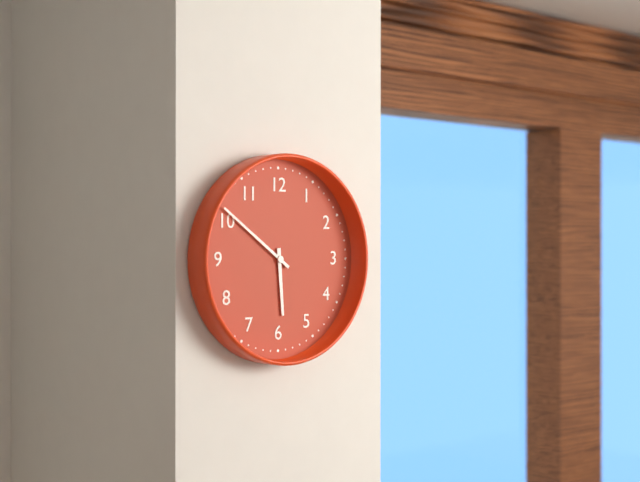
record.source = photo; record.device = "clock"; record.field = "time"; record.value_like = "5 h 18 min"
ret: 5 h 51 min
